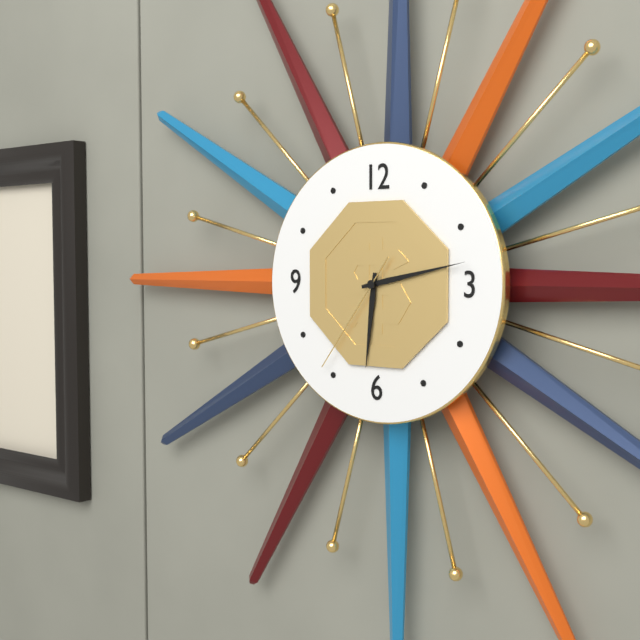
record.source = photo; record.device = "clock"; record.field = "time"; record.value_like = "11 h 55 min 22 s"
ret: 6 h 13 min 36 s
